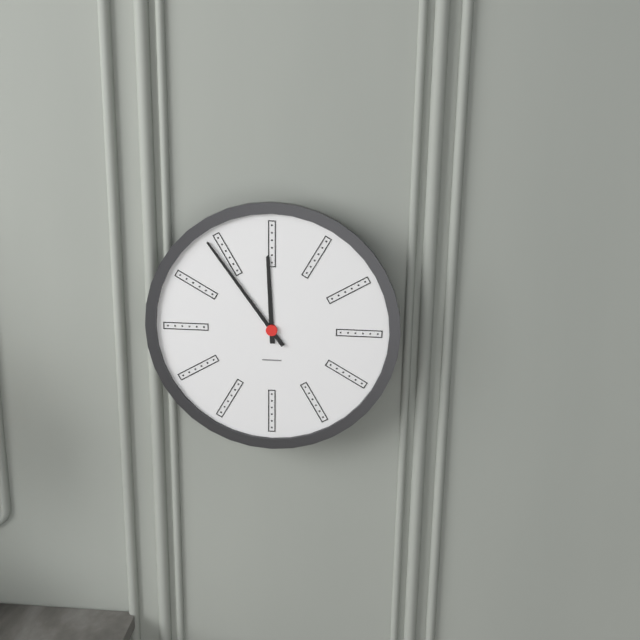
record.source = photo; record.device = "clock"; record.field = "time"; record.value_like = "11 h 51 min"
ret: 11 h 54 min
